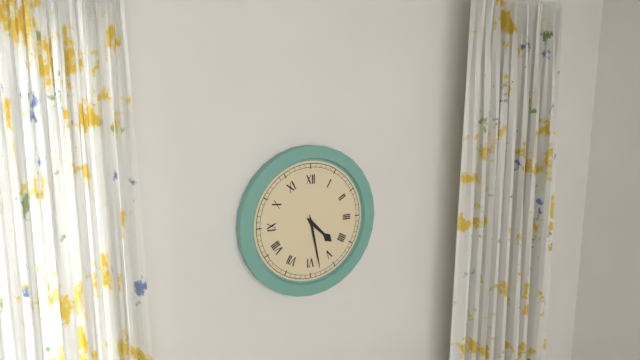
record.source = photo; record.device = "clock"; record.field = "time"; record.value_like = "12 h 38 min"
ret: 4 h 28 min
